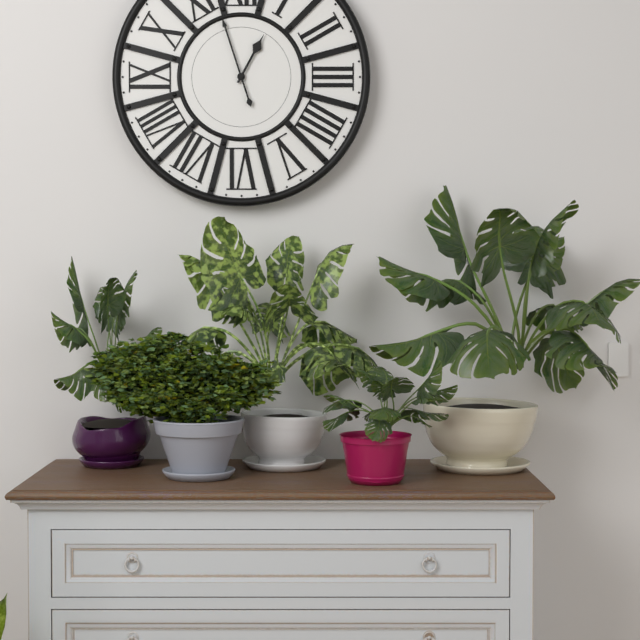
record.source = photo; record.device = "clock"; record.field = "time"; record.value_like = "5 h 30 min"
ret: 12 h 57 min
